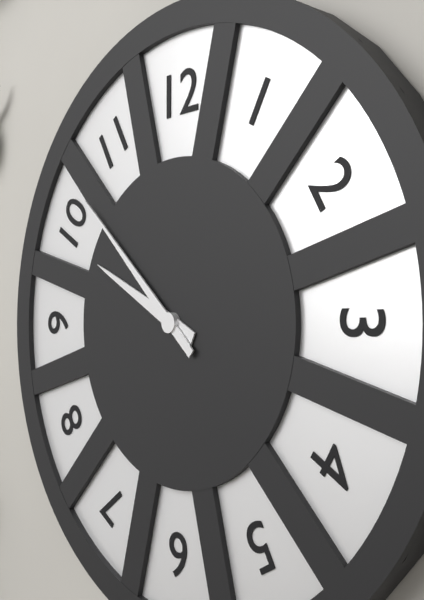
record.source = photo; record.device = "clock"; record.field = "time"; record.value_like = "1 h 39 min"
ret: 9 h 52 min
